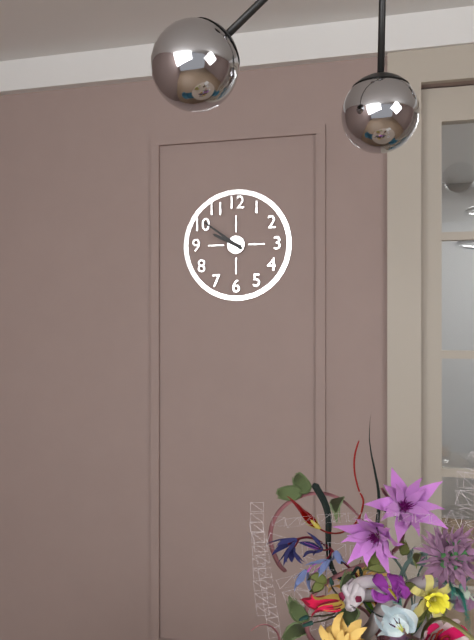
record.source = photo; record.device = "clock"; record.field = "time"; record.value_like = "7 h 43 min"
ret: 9 h 51 min
